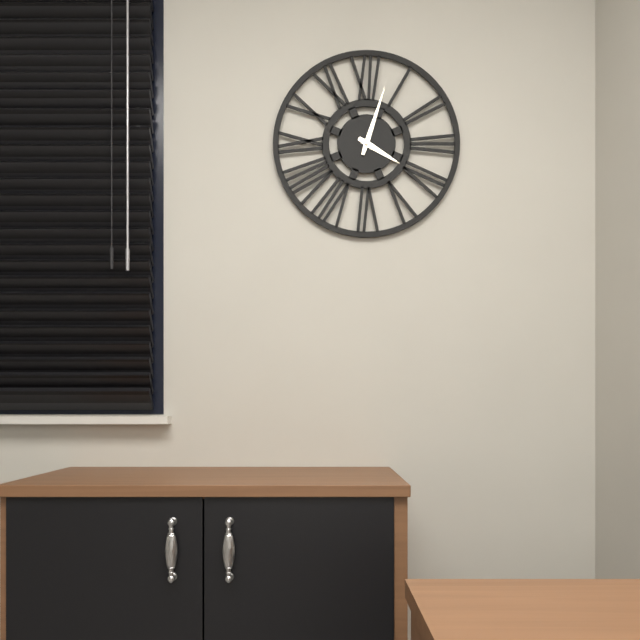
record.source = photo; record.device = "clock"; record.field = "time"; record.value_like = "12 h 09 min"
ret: 4 h 03 min
